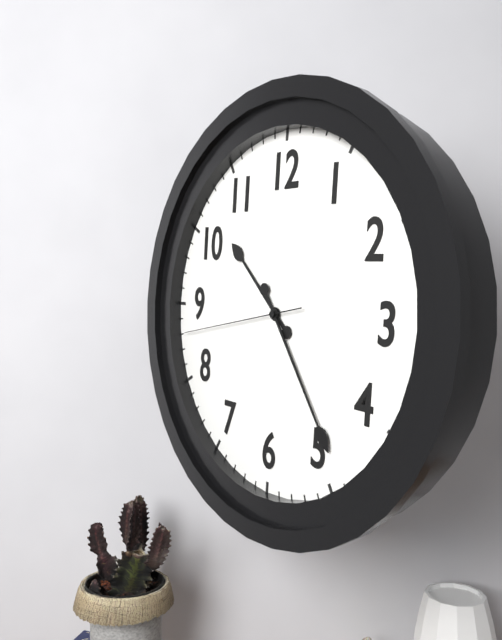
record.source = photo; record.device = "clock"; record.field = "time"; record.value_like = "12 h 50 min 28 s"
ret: 10 h 24 min 43 s
